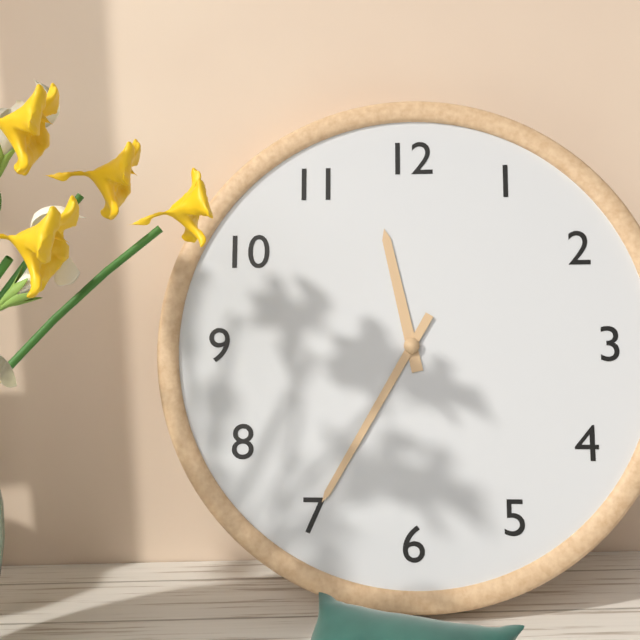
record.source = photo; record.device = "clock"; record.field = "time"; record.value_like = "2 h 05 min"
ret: 11 h 35 min
